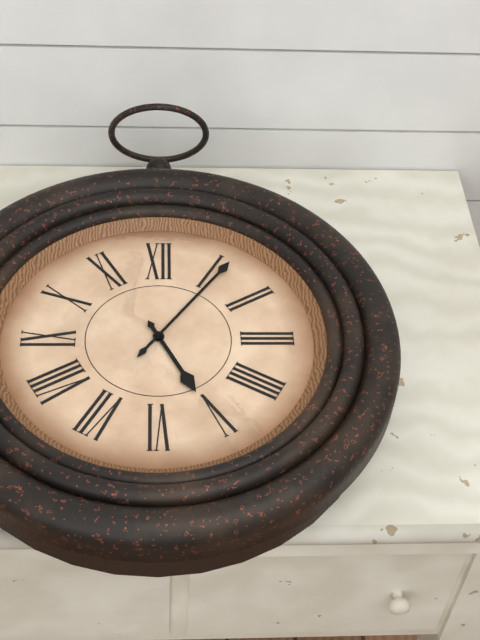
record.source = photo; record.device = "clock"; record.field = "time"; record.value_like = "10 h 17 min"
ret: 5 h 06 min
